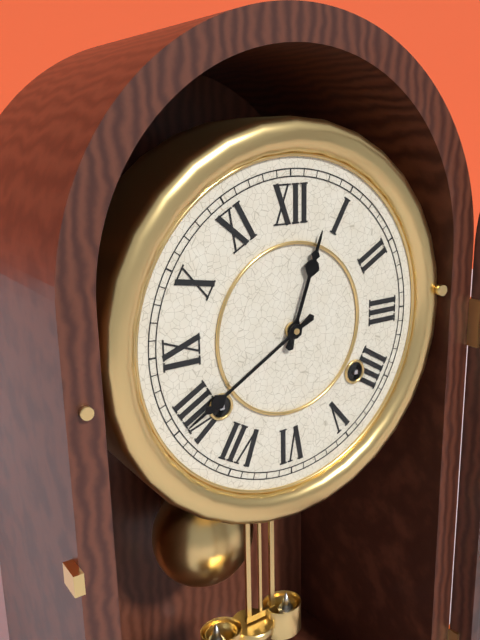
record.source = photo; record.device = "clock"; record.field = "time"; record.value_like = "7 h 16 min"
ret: 12 h 40 min
